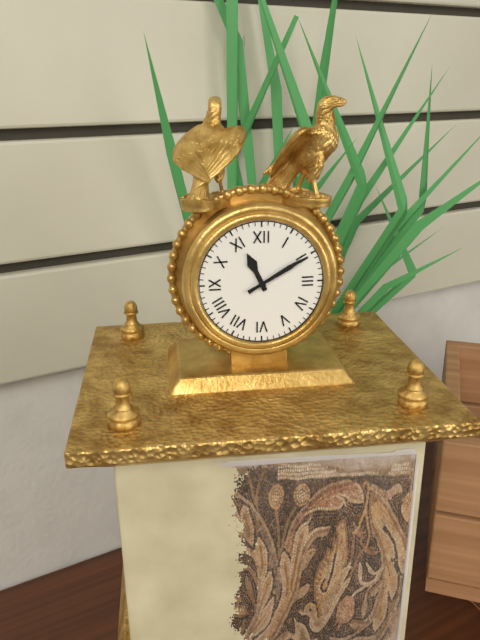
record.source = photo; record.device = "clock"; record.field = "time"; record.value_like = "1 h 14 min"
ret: 11 h 10 min
